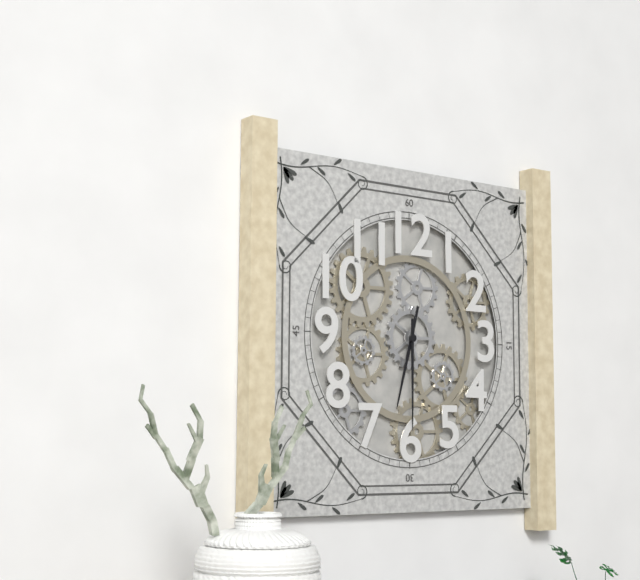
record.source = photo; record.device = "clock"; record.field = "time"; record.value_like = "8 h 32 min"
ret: 6 h 30 min
